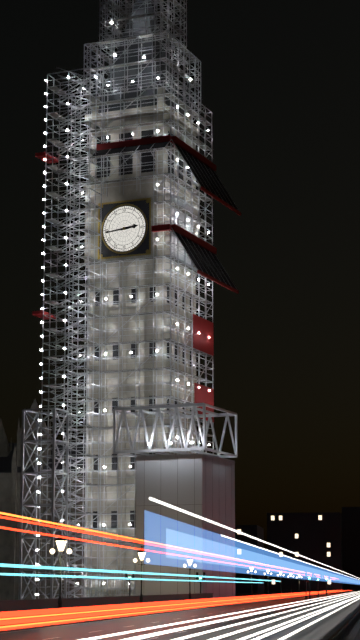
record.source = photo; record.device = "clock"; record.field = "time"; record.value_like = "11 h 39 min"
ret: 2 h 44 min
